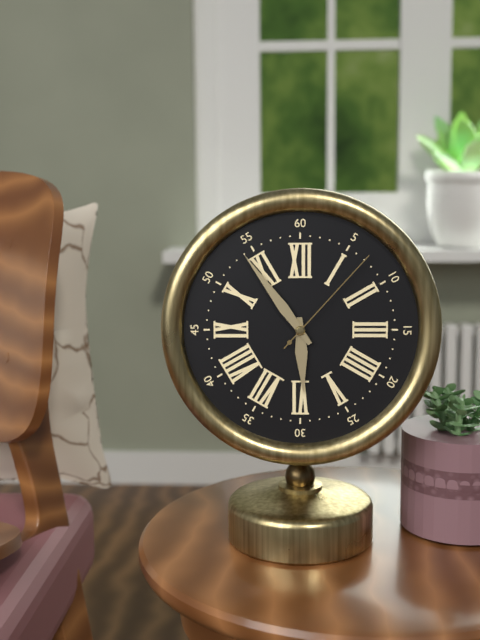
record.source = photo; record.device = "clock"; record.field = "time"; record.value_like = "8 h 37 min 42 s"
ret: 5 h 54 min 07 s
